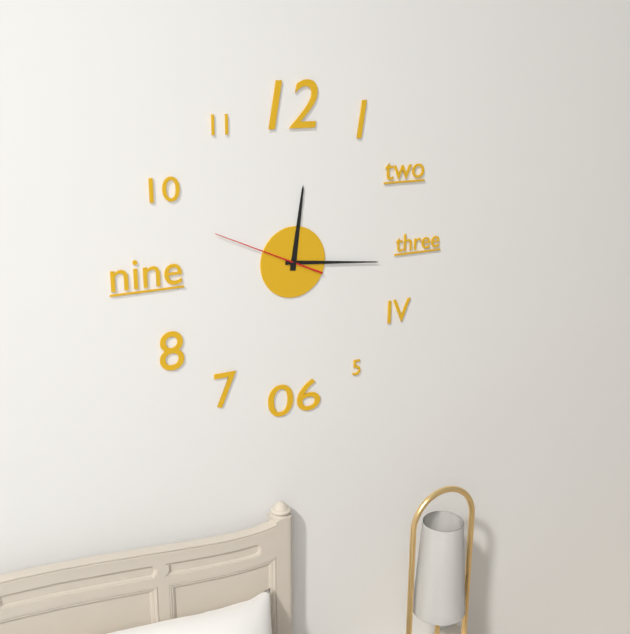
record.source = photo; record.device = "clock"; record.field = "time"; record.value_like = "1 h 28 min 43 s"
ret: 12 h 16 min 49 s
